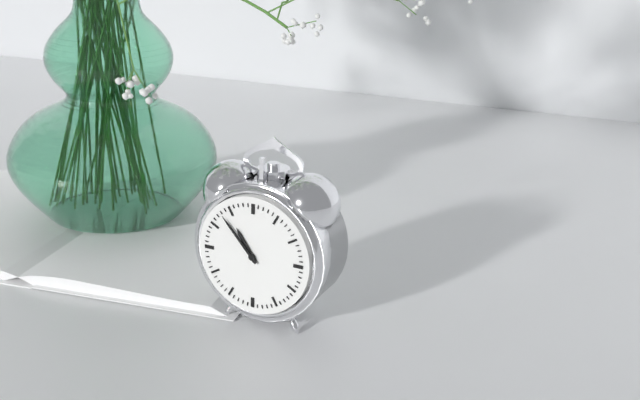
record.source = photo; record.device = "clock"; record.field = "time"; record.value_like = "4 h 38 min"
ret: 10 h 53 min
